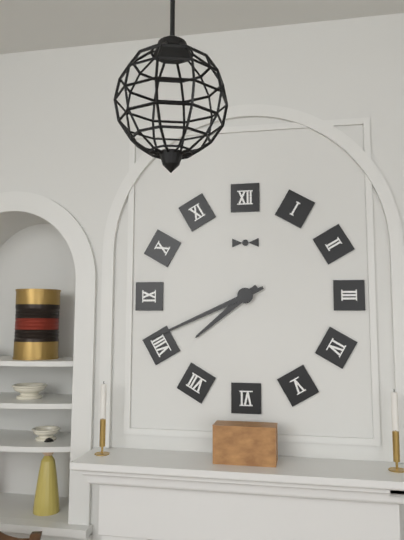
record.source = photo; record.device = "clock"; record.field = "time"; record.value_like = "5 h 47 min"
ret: 7 h 41 min
